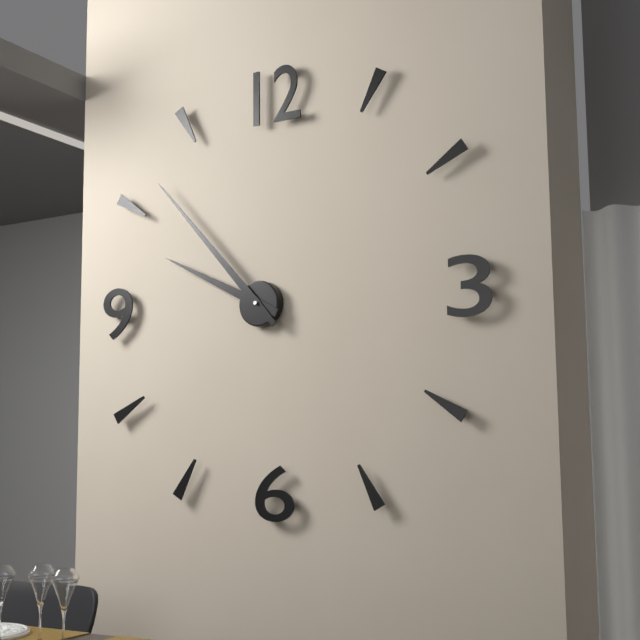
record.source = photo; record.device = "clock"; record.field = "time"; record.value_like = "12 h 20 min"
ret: 9 h 53 min
